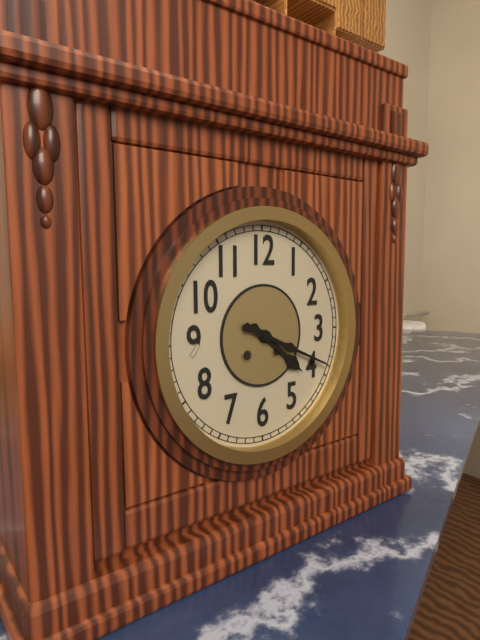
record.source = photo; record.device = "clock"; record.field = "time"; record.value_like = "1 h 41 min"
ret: 4 h 19 min
